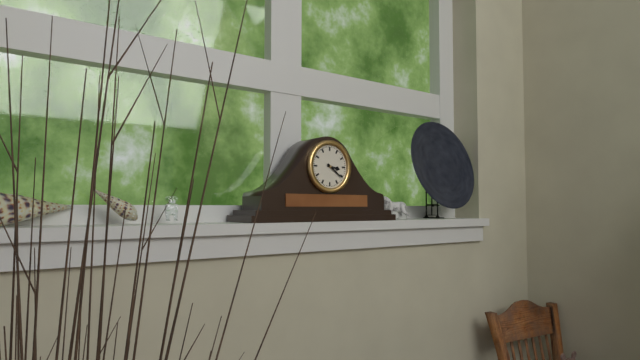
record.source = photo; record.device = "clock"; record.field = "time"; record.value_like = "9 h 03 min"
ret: 3 h 21 min
